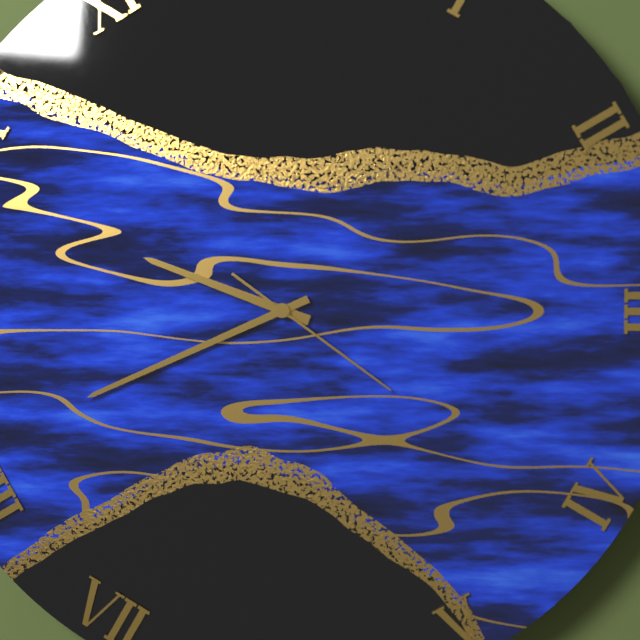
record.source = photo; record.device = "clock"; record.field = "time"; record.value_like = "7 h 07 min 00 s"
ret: 9 h 41 min 21 s
